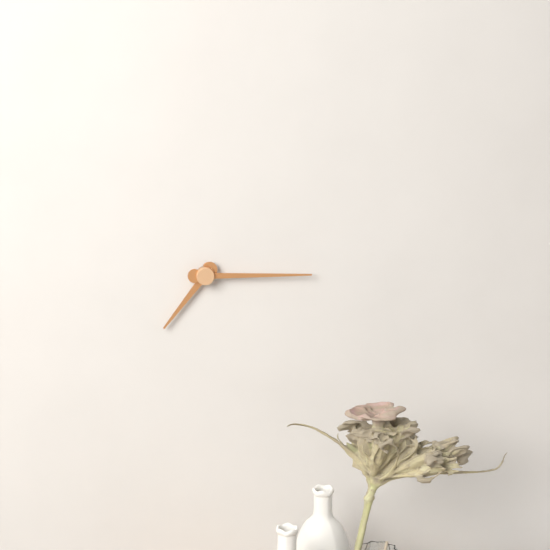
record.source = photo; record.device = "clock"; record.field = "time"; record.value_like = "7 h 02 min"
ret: 7 h 15 min
